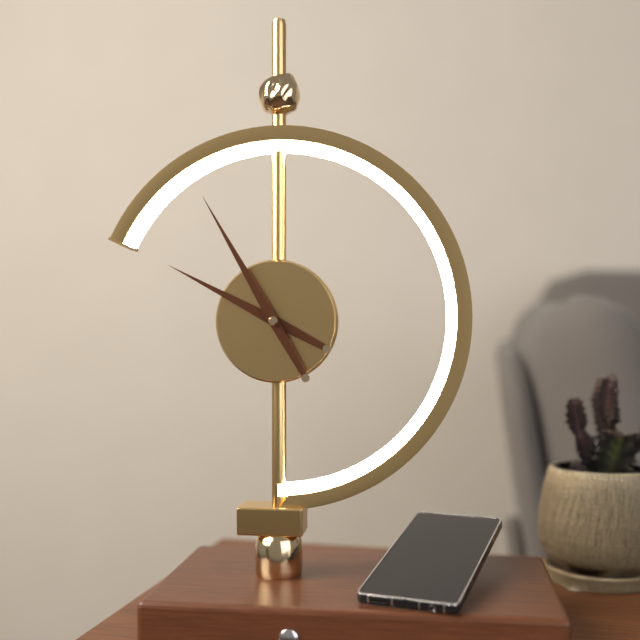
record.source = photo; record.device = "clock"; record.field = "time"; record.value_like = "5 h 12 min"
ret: 9 h 55 min
